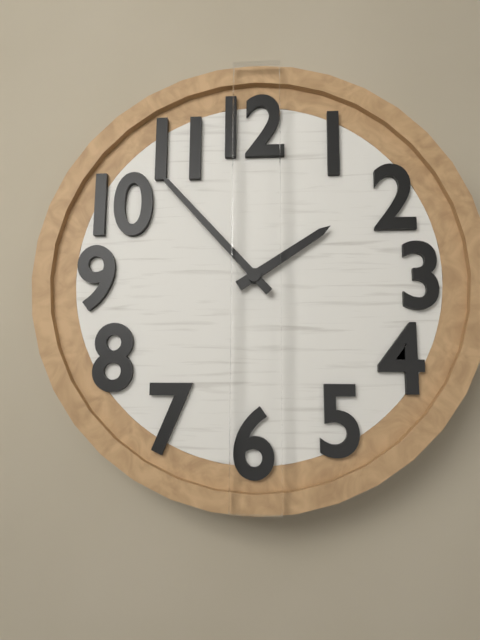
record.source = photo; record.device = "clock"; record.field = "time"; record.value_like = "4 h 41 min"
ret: 1 h 53 min
